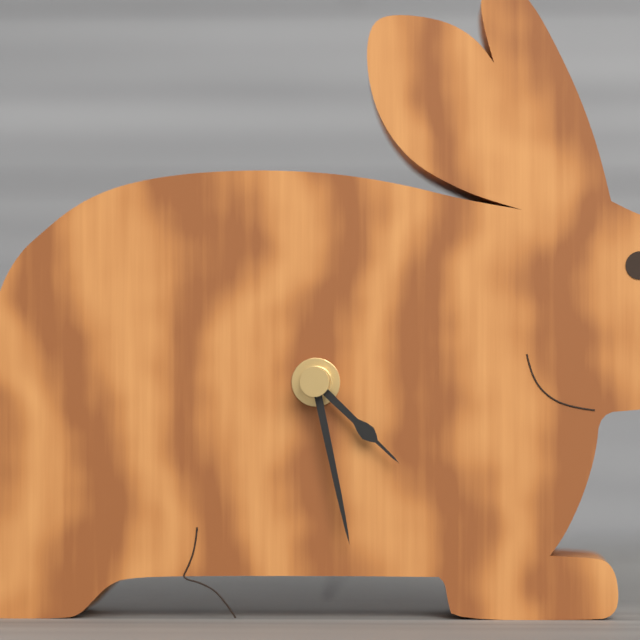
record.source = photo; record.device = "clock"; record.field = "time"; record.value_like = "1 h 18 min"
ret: 4 h 28 min
